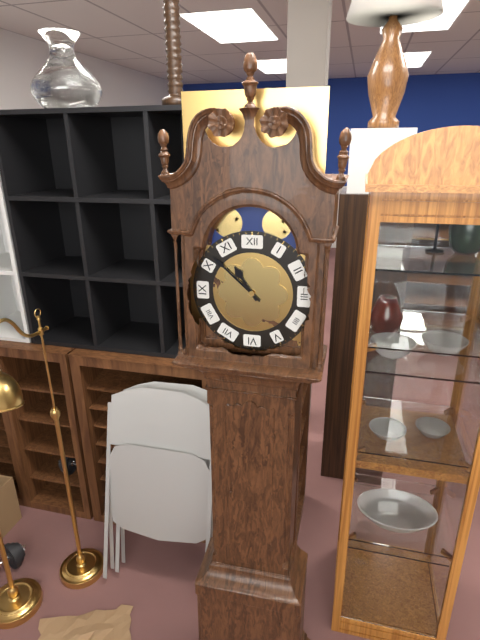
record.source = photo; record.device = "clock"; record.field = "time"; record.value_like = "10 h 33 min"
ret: 10 h 52 min
